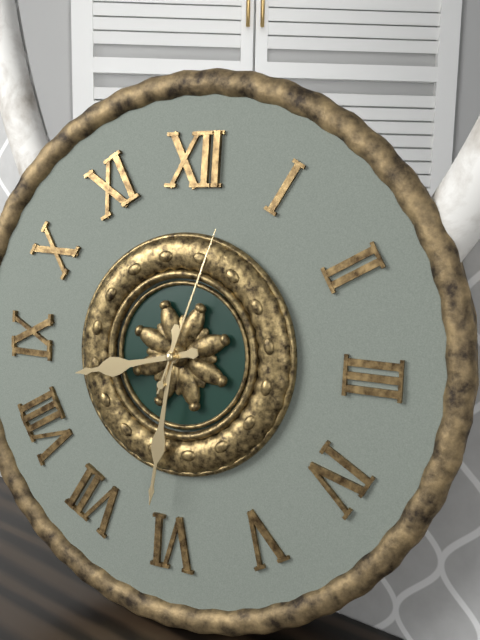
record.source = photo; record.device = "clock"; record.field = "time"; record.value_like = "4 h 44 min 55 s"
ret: 8 h 31 min 03 s
